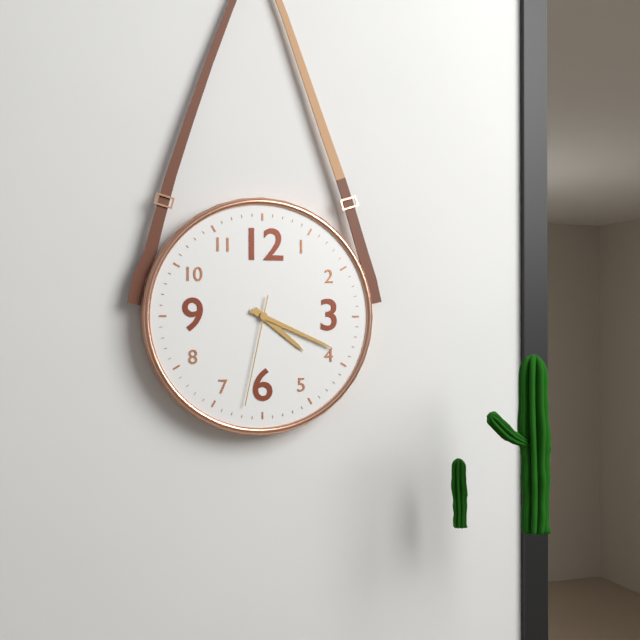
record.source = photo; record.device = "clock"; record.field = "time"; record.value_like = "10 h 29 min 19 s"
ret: 4 h 19 min 32 s
